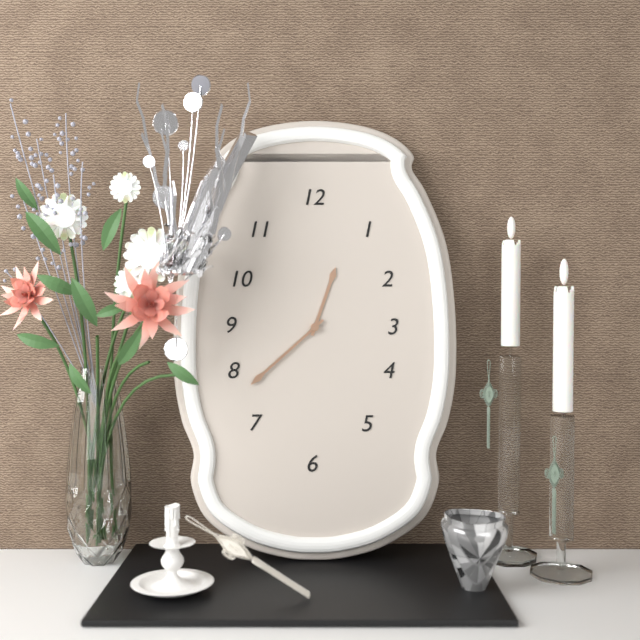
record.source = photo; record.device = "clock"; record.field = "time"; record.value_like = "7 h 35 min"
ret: 12 h 38 min
